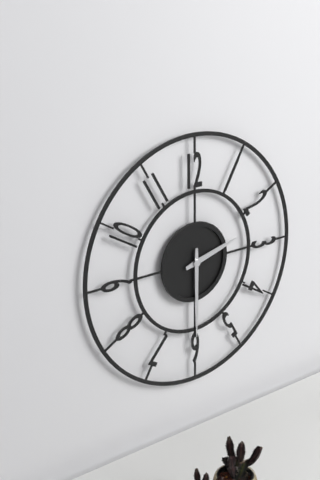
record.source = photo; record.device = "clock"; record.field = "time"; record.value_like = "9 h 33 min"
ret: 2 h 30 min
